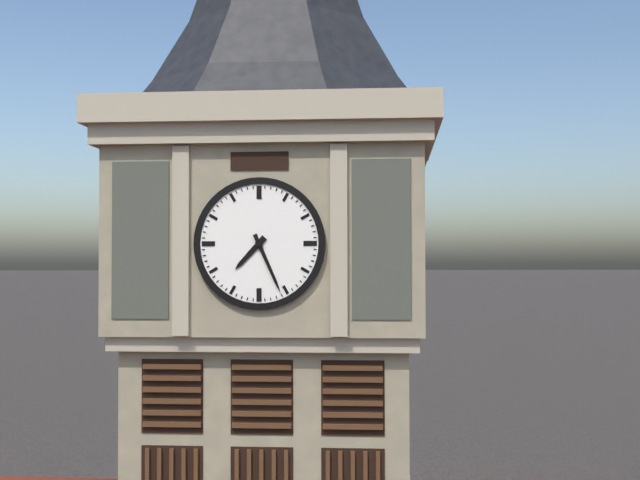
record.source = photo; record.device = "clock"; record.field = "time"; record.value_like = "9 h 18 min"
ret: 7 h 26 min
